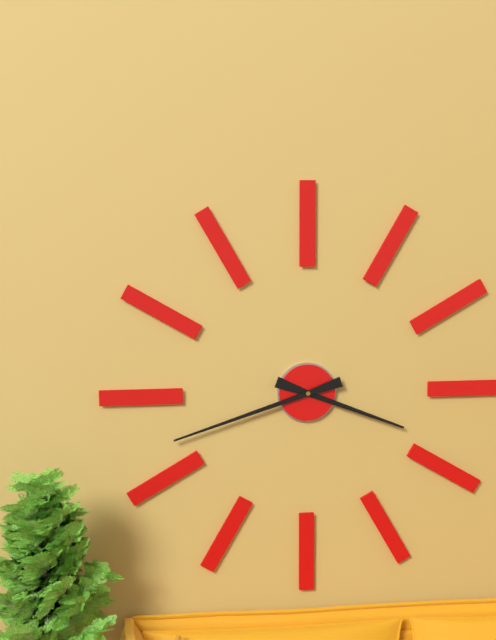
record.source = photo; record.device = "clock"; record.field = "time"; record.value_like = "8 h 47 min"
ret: 3 h 42 min
